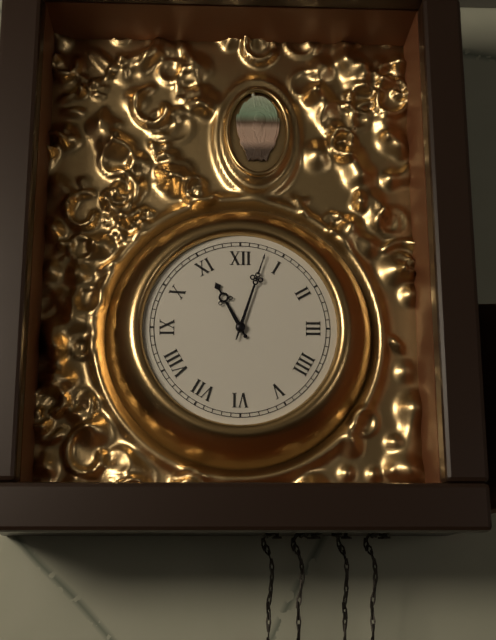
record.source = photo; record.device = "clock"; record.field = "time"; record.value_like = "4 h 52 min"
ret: 11 h 03 min
